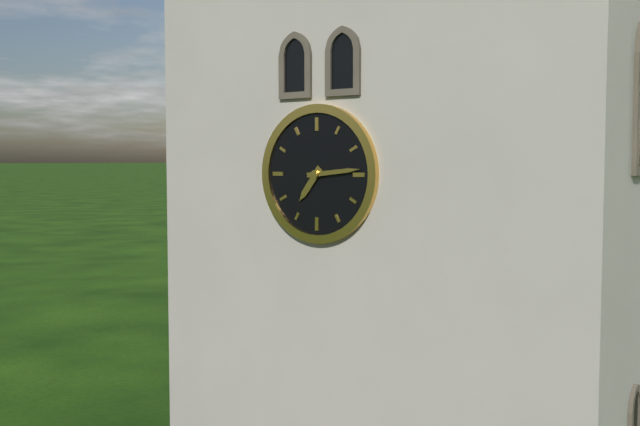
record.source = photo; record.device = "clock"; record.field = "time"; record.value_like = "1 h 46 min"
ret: 7 h 14 min
